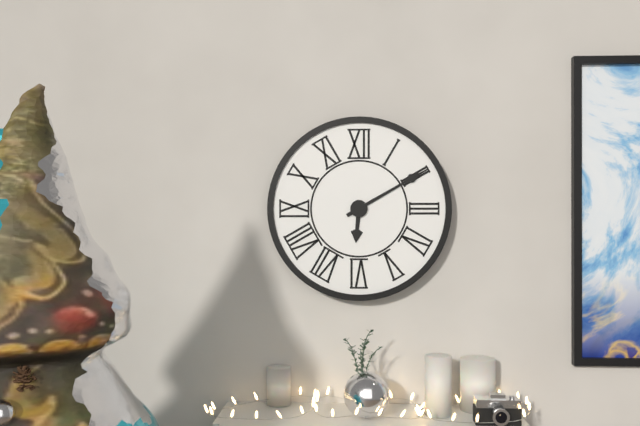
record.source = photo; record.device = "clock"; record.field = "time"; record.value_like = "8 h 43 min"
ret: 6 h 10 min
